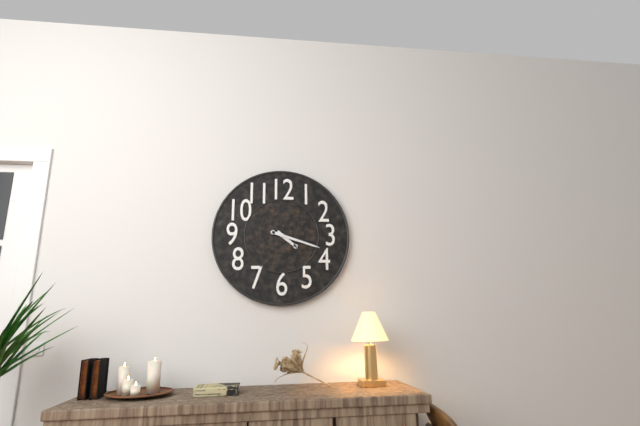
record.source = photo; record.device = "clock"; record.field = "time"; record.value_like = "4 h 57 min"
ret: 4 h 18 min
